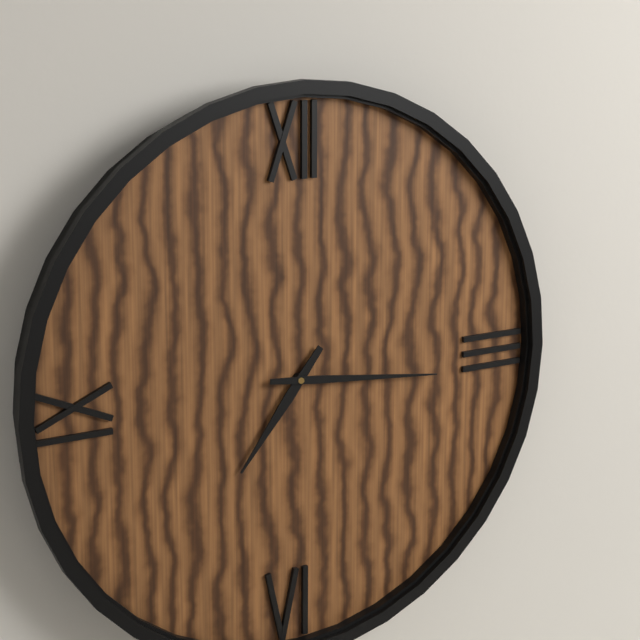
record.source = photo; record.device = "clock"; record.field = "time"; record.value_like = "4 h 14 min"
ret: 7 h 16 min
